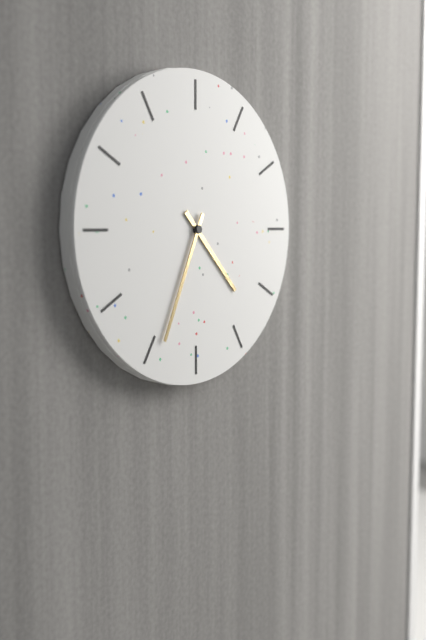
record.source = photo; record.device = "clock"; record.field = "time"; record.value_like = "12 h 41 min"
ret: 4 h 34 min
